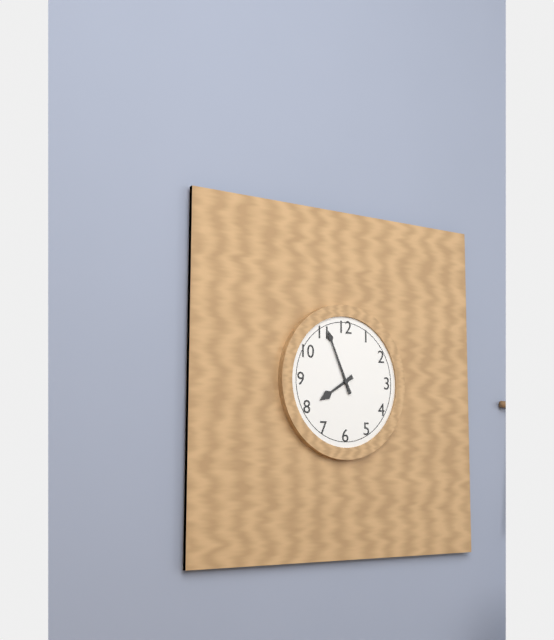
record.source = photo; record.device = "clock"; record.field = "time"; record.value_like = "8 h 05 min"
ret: 7 h 56 min
